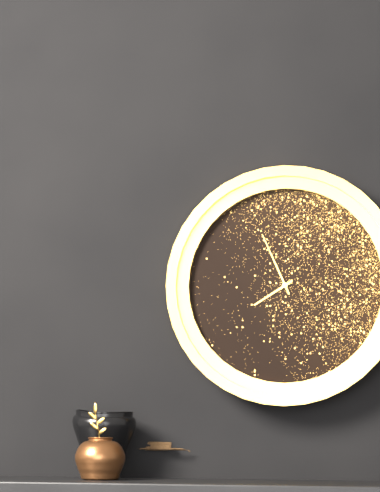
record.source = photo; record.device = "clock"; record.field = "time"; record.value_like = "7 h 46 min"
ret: 7 h 56 min
